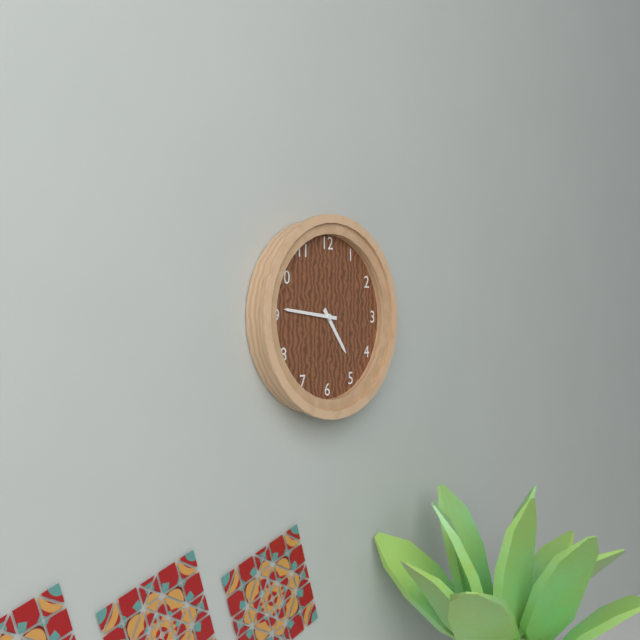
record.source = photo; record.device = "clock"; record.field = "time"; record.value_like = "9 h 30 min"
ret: 4 h 46 min
